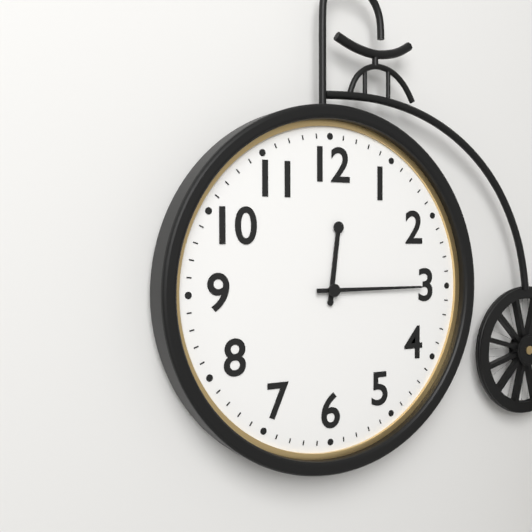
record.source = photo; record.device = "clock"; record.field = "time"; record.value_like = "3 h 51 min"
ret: 12 h 15 min
